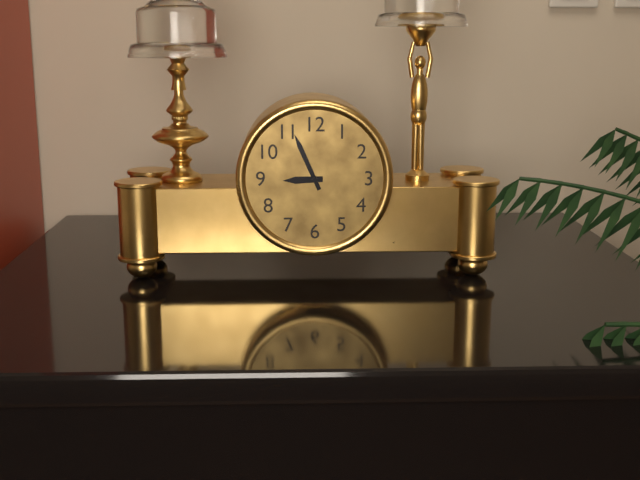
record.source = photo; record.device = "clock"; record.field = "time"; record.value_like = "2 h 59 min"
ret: 8 h 56 min
